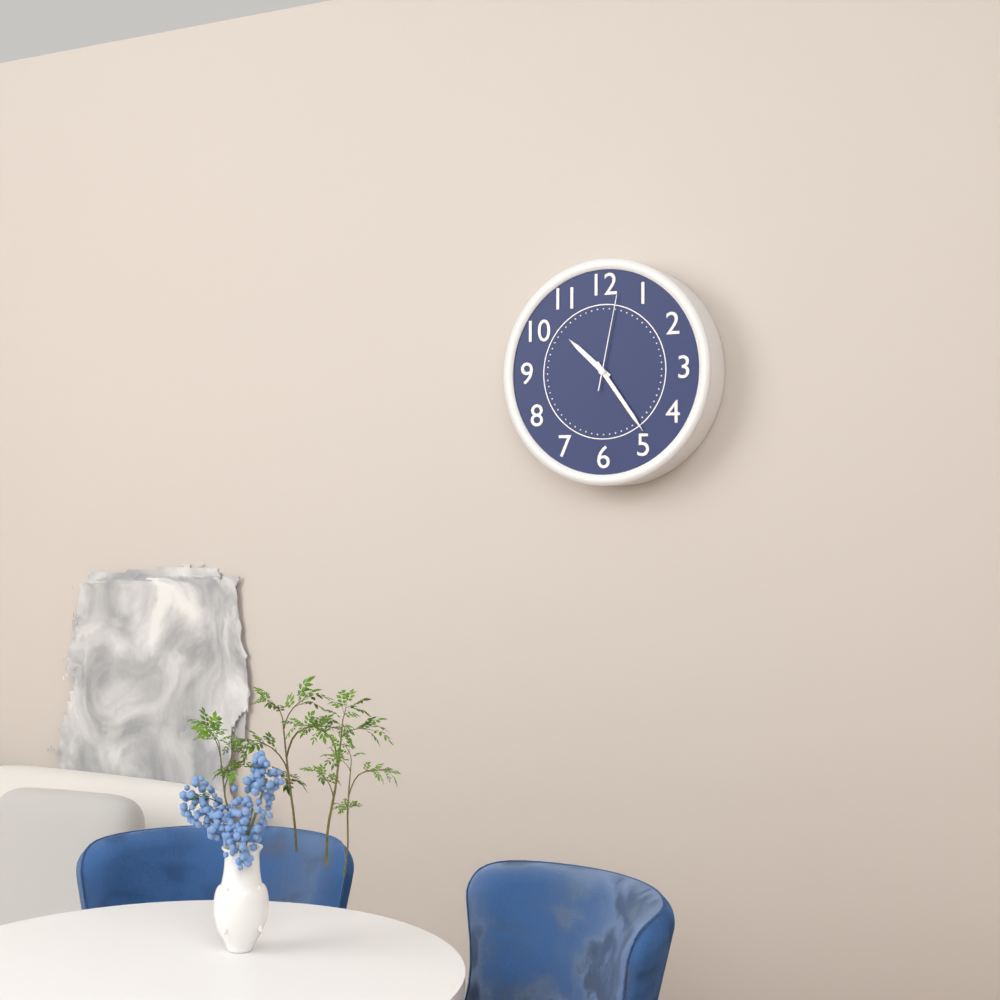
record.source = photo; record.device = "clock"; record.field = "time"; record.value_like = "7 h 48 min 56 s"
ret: 10 h 24 min 02 s
